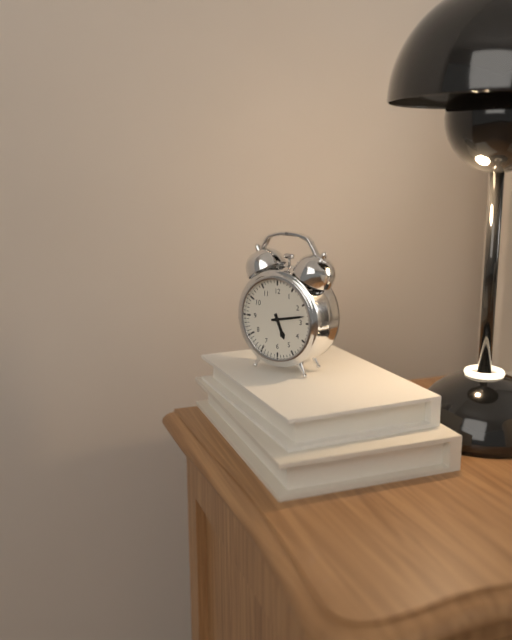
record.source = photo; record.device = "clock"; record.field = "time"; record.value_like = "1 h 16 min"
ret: 5 h 13 min
